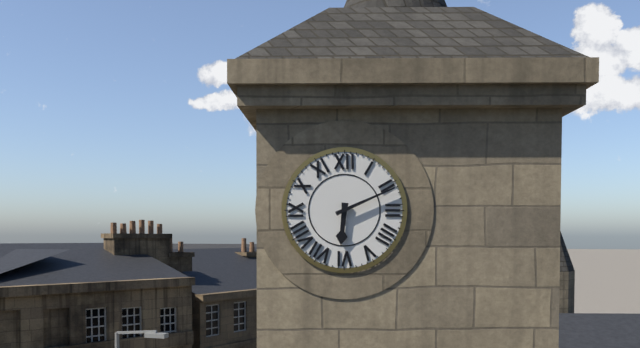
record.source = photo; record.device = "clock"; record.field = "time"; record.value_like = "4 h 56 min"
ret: 6 h 11 min
